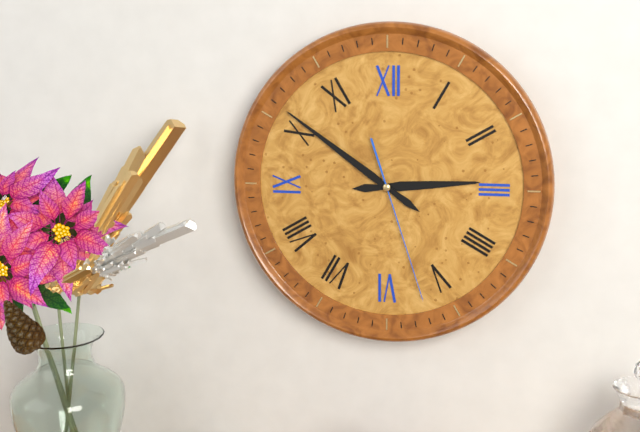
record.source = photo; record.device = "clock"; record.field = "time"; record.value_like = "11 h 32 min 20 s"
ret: 2 h 51 min 27 s
